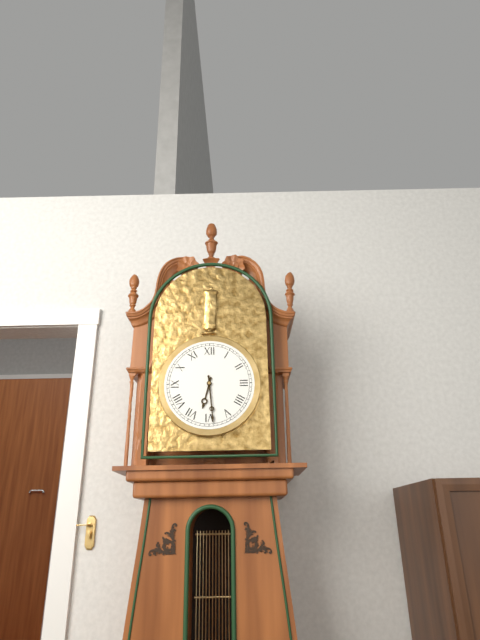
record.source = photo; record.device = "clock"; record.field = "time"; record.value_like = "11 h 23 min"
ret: 6 h 29 min
